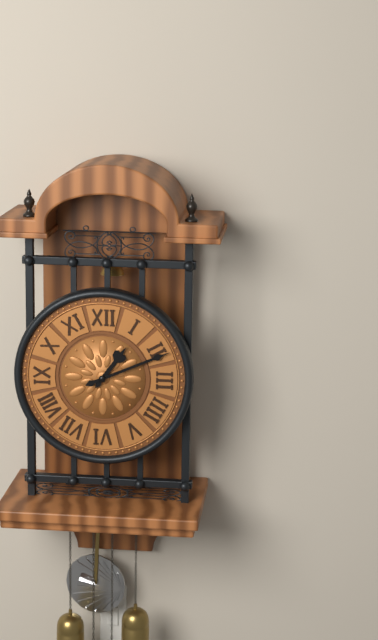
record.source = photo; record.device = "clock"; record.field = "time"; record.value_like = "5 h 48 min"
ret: 1 h 11 min
